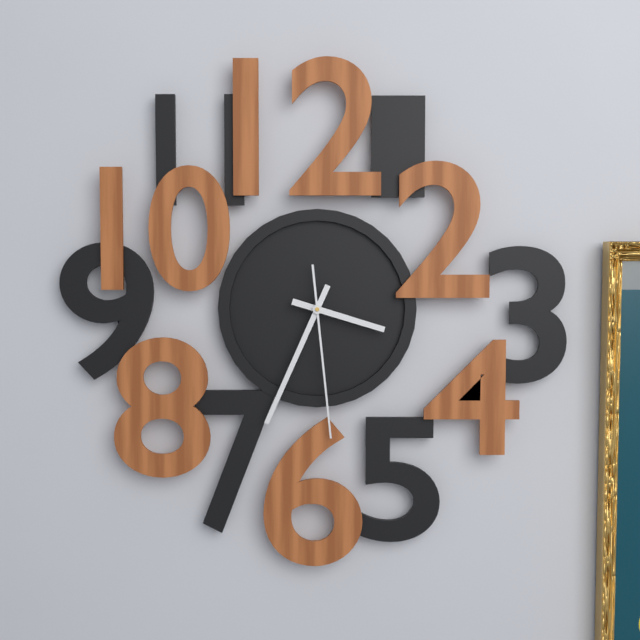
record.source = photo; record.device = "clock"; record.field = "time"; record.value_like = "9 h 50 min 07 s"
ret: 3 h 34 min 29 s
